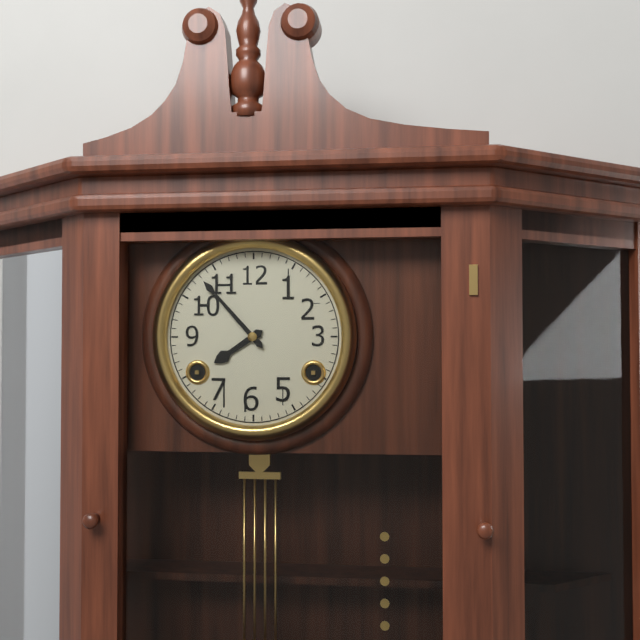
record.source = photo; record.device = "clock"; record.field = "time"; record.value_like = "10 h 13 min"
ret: 7 h 53 min
